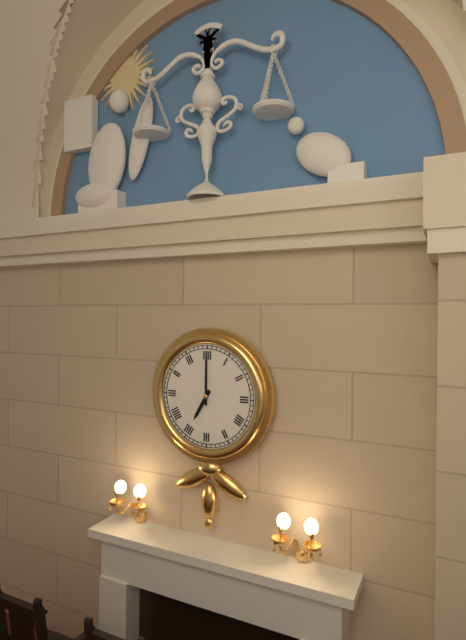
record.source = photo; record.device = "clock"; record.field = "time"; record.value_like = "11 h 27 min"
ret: 7 h 00 min
